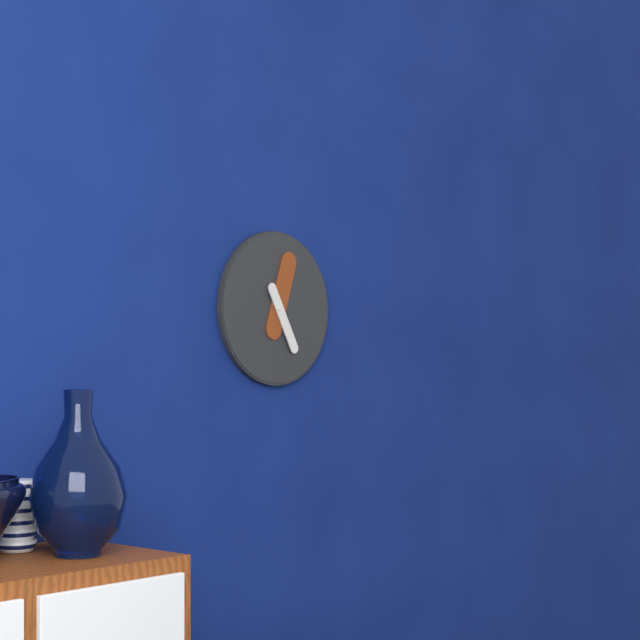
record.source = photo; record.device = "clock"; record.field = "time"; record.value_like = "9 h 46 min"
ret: 5 h 03 min
